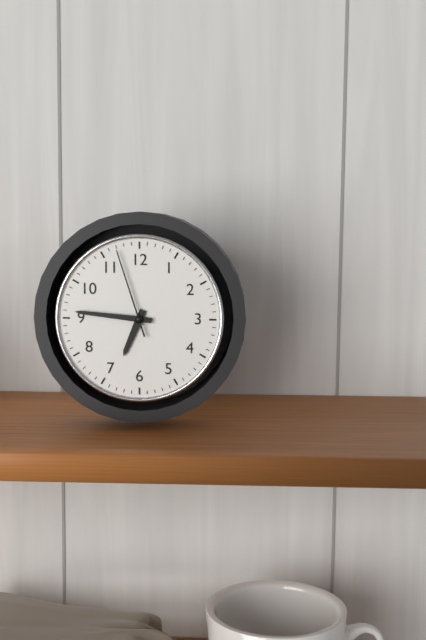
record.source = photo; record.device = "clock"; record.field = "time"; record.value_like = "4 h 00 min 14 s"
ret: 6 h 46 min 57 s
